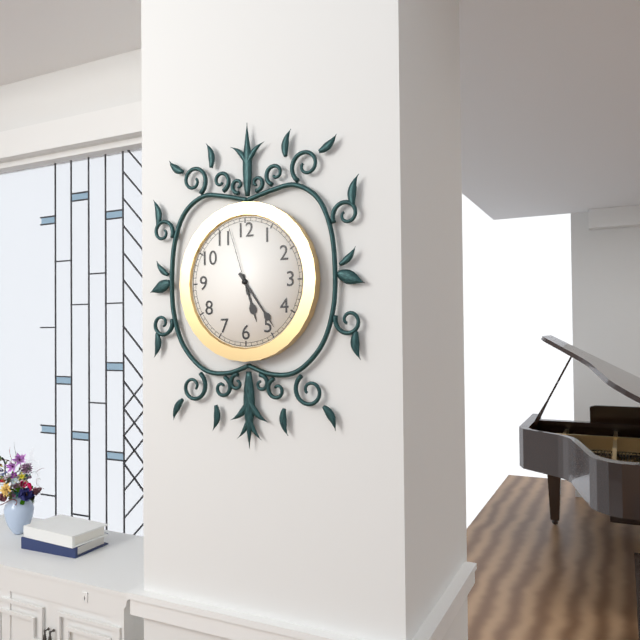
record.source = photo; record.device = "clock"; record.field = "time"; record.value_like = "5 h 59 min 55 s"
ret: 5 h 24 min 57 s
